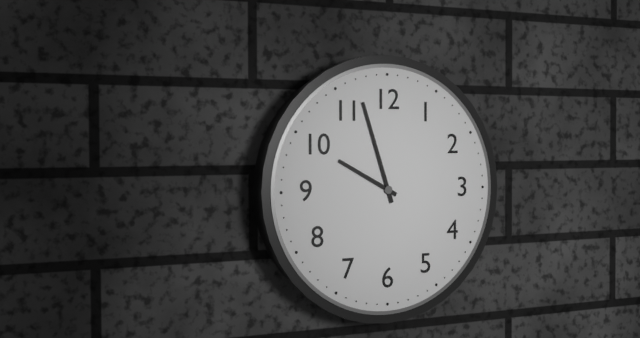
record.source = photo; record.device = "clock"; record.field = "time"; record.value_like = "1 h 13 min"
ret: 9 h 57 min
